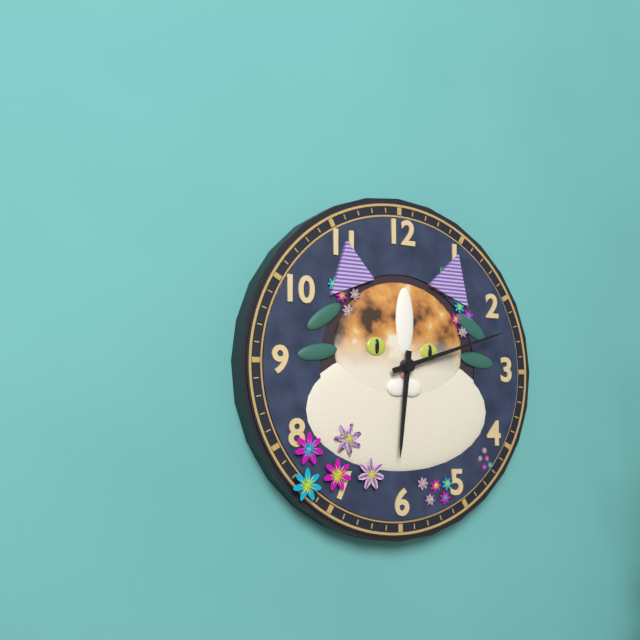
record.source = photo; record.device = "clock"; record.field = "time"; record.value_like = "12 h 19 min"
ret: 6 h 12 min
